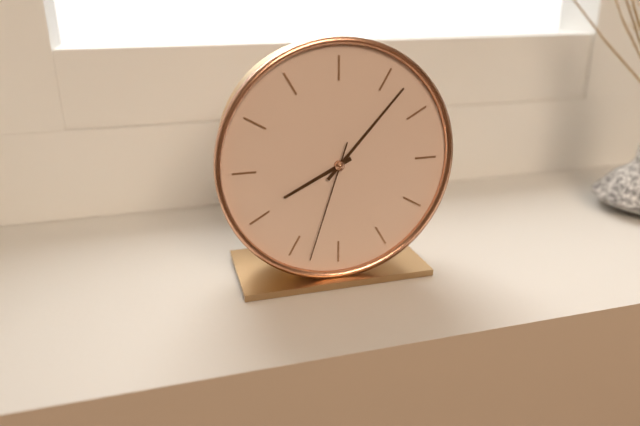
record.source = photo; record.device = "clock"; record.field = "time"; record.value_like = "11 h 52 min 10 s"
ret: 8 h 07 min 33 s
